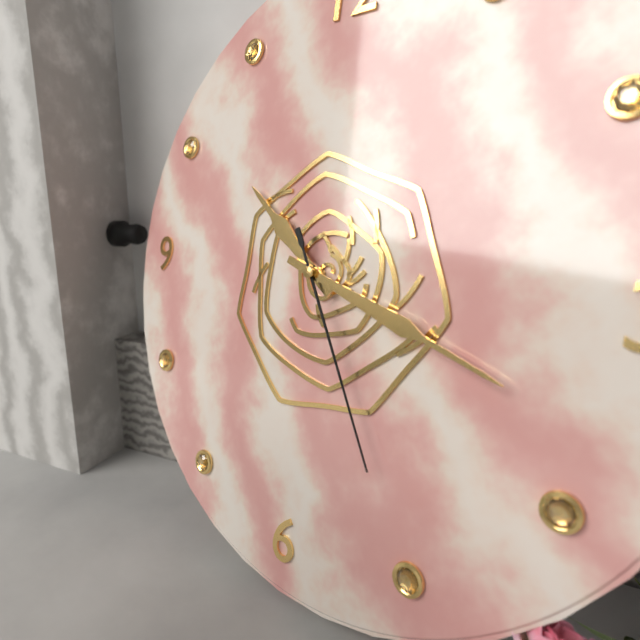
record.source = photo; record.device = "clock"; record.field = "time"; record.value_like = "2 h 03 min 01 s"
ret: 10 h 18 min 25 s
